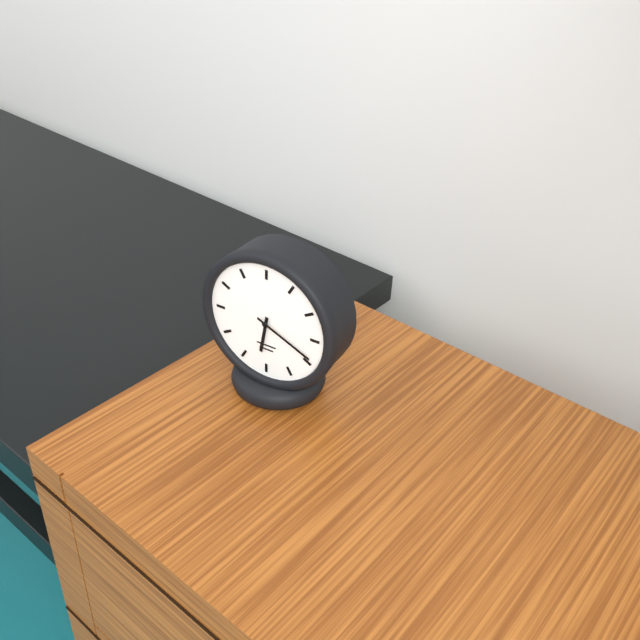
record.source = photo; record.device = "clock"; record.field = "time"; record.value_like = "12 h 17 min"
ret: 6 h 19 min
